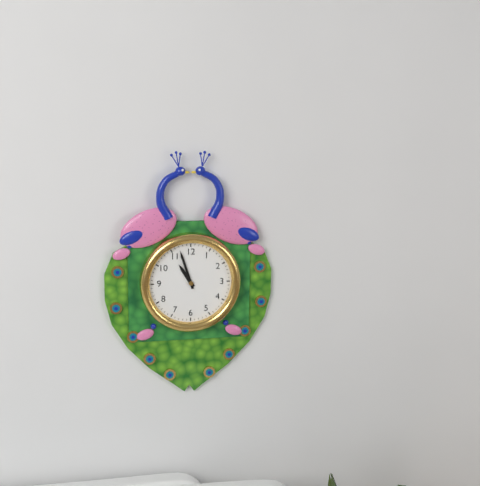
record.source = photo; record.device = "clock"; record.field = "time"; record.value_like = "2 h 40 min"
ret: 10 h 57 min
